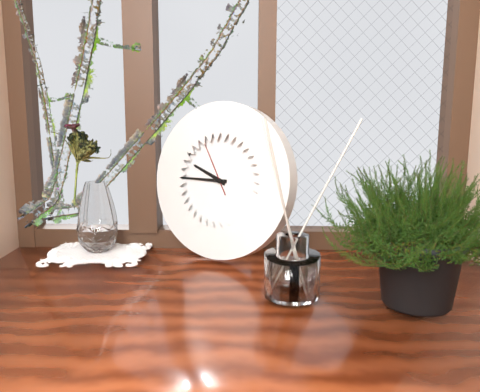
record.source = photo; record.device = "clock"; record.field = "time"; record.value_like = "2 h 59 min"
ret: 9 h 45 min
